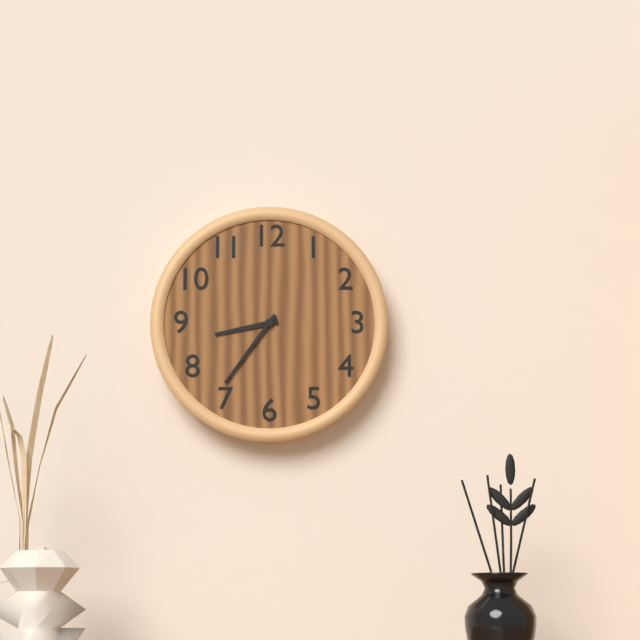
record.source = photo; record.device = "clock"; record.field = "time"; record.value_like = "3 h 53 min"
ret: 8 h 36 min
